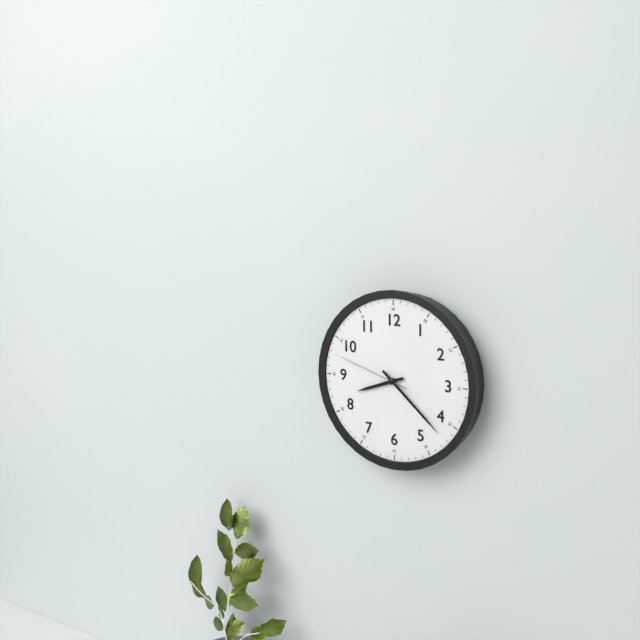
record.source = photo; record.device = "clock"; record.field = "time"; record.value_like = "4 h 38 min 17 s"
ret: 8 h 22 min 48 s
